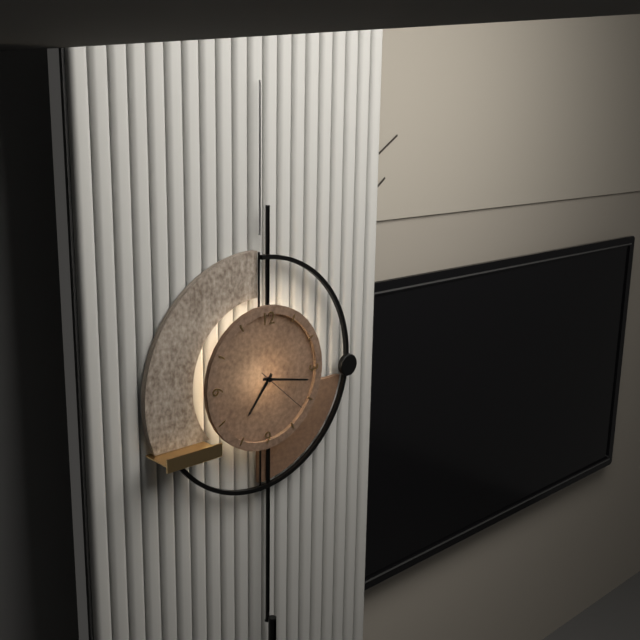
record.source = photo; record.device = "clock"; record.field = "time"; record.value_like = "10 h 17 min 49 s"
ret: 7 h 17 min 22 s
